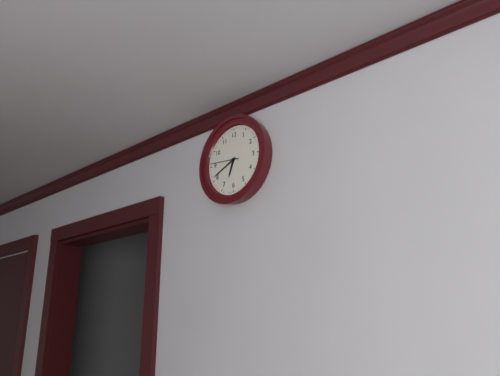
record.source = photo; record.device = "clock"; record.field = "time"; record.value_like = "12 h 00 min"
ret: 6 h 41 min
